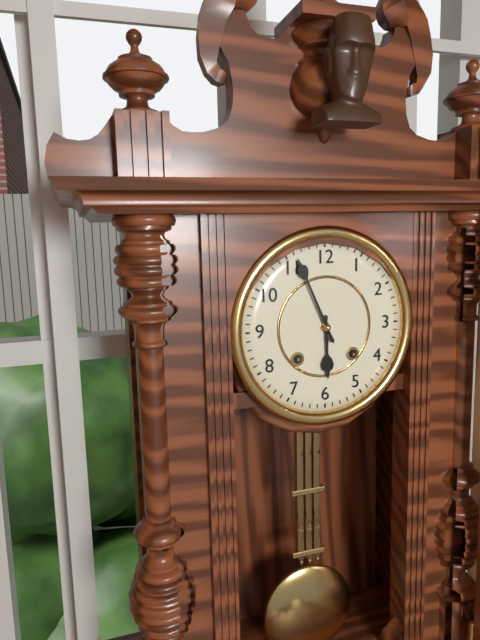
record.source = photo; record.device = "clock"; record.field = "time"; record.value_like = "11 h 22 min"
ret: 5 h 56 min
